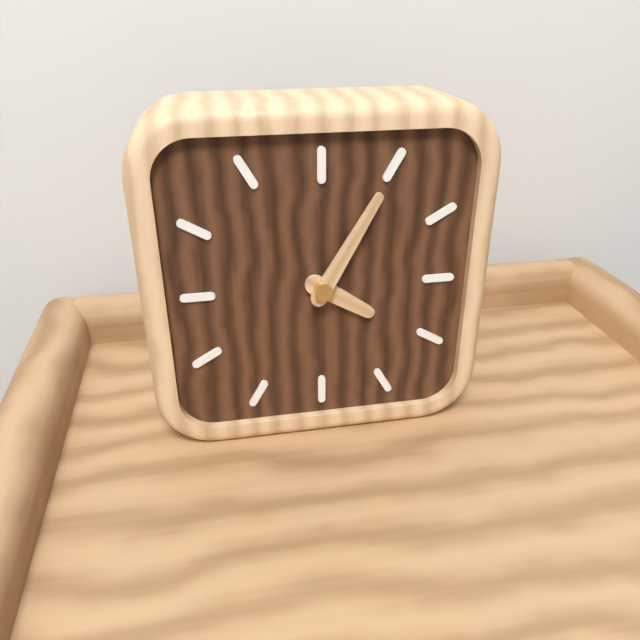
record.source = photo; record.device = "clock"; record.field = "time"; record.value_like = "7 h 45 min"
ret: 4 h 05 min
